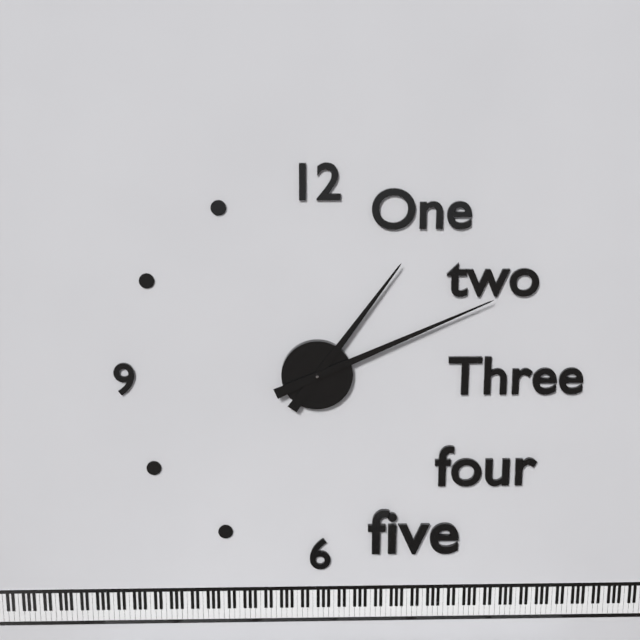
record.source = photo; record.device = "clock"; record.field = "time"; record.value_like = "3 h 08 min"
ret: 1 h 11 min
